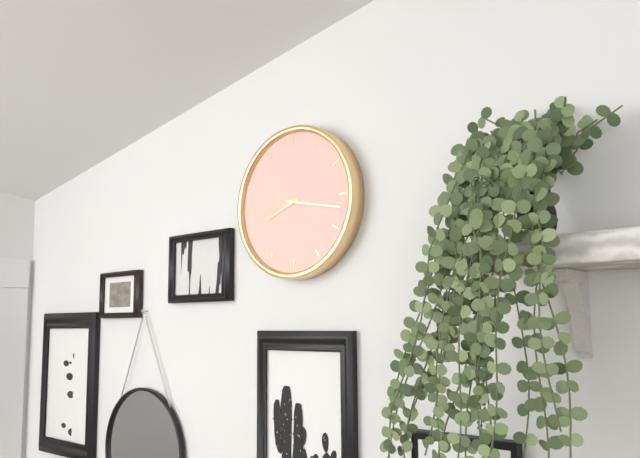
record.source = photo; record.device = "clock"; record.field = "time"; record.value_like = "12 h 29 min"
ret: 8 h 17 min
